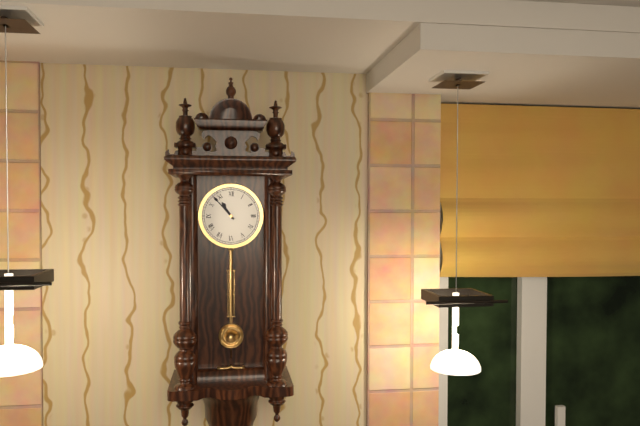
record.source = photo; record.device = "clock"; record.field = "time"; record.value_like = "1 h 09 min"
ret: 10 h 53 min
